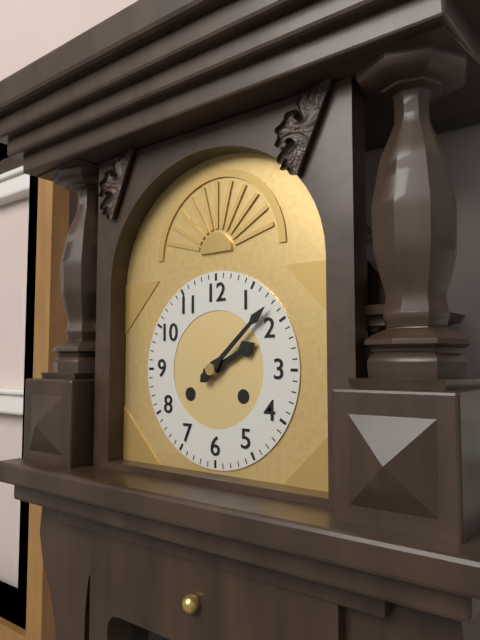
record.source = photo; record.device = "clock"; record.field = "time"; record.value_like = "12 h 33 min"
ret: 2 h 08 min
